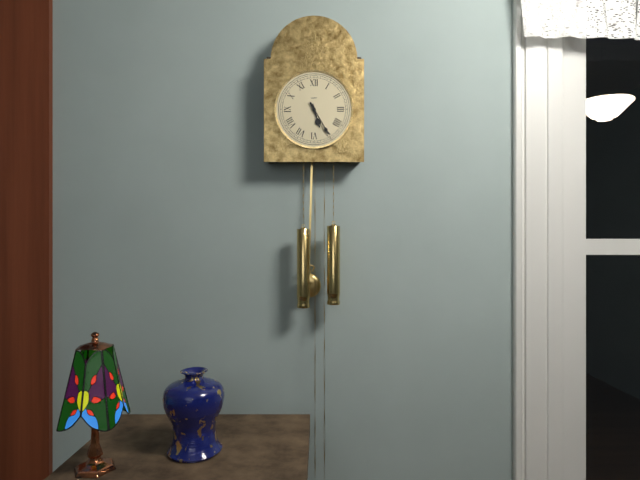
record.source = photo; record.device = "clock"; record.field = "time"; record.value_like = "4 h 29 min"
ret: 5 h 25 min
